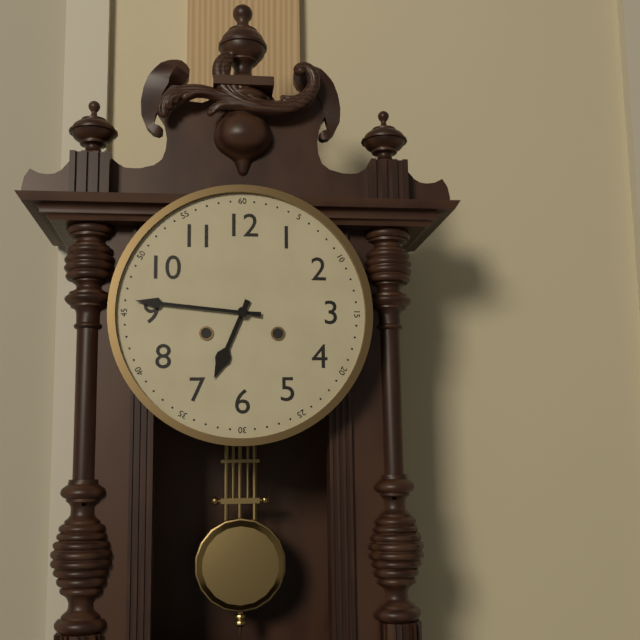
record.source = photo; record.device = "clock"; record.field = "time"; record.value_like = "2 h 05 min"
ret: 6 h 46 min
